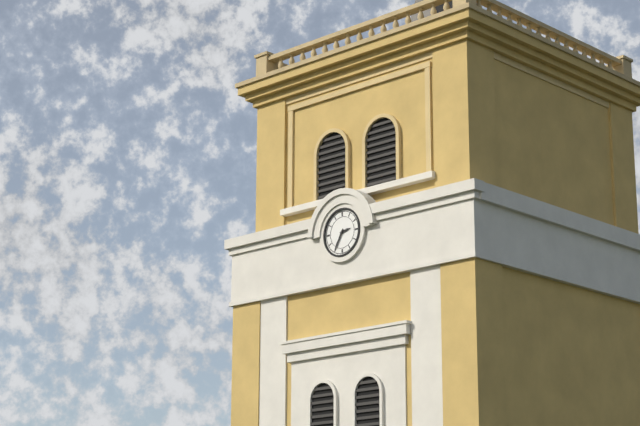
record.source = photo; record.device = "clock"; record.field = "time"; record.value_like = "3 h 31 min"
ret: 2 h 35 min
